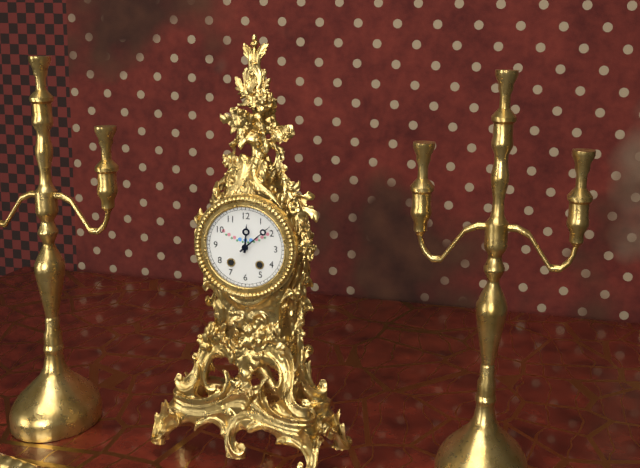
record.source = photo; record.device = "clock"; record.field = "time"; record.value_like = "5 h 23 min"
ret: 12 h 08 min
